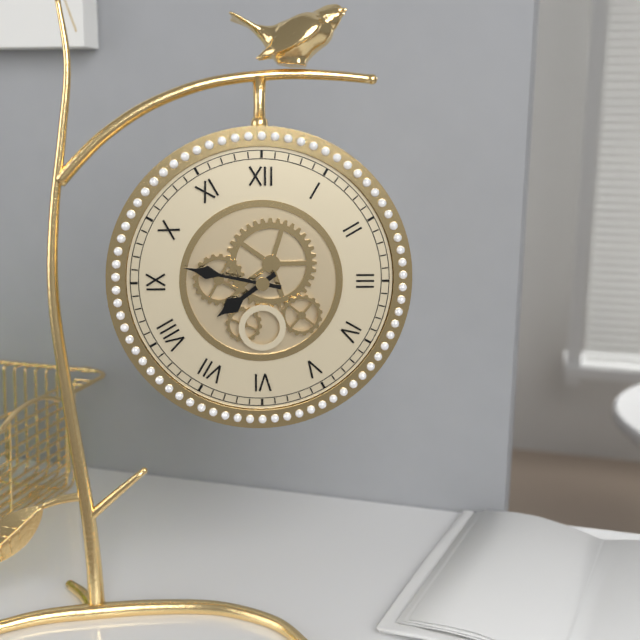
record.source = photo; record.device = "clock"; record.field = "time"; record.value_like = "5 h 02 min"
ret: 7 h 47 min
